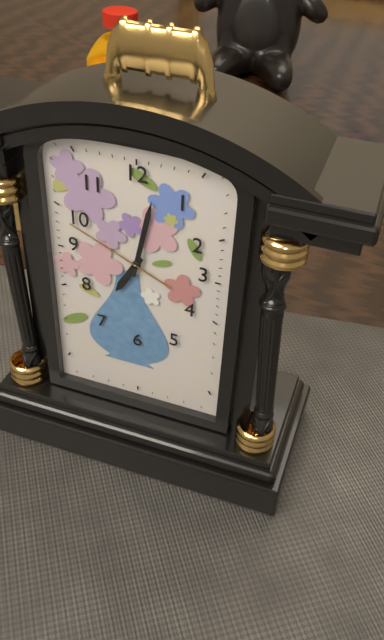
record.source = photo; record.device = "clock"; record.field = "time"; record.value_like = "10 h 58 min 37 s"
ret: 7 h 02 min 49 s
